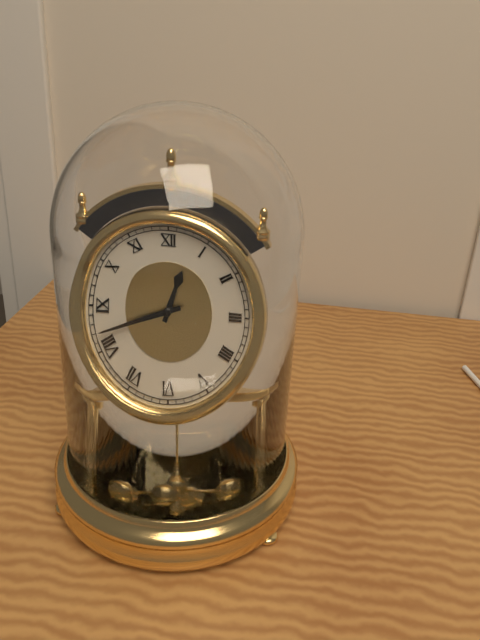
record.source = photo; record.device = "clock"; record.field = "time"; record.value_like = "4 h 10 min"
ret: 12 h 42 min
